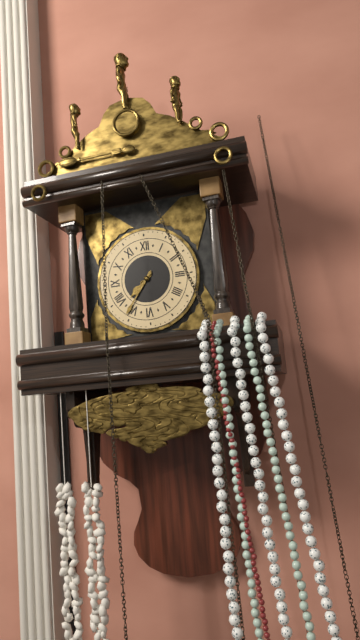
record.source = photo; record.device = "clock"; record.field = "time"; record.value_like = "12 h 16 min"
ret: 7 h 36 min
